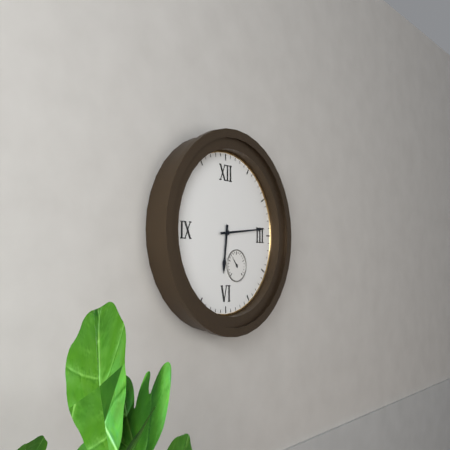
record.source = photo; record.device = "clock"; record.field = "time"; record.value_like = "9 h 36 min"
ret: 6 h 14 min
